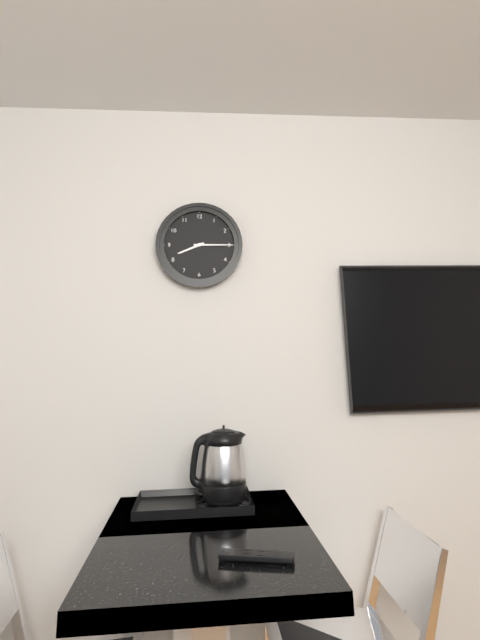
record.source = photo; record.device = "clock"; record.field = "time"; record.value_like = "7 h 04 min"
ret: 8 h 15 min
